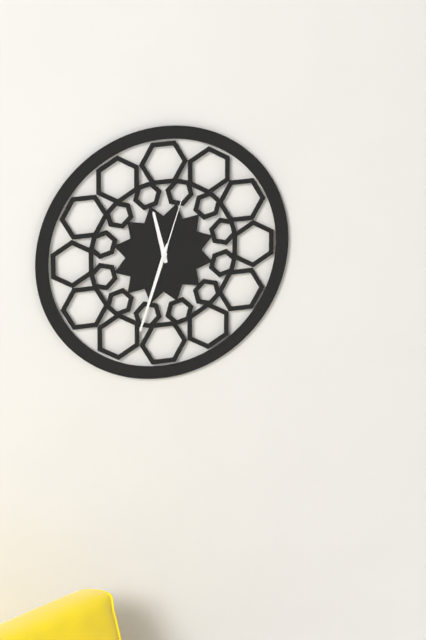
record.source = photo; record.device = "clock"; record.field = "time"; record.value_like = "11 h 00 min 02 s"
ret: 11 h 33 min 03 s
